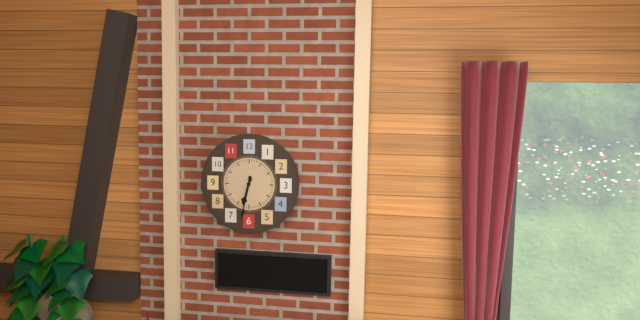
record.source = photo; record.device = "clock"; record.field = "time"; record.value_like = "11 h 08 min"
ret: 6 h 32 min
